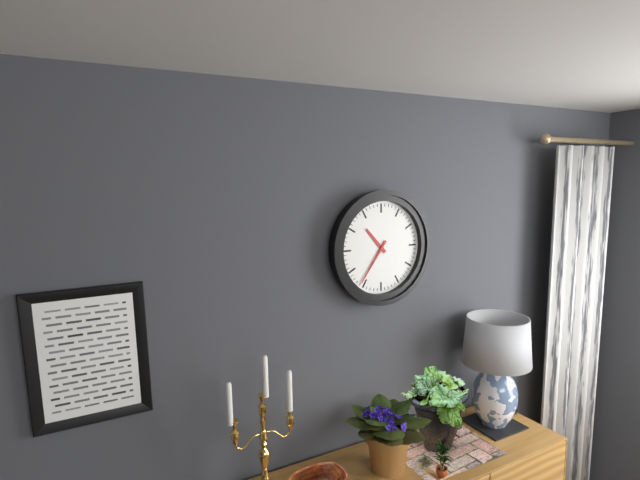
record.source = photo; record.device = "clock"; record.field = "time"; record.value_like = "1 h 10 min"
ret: 10 h 36 min
